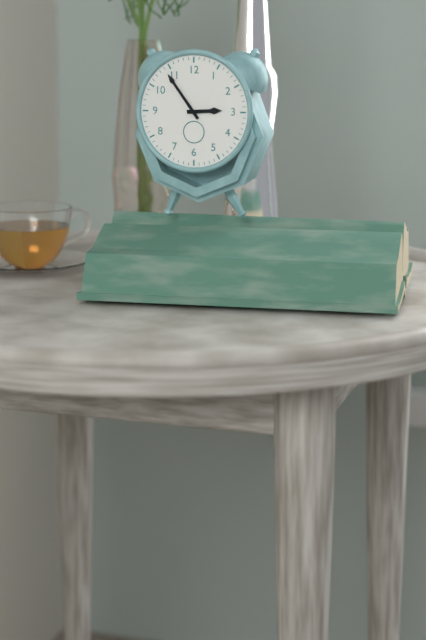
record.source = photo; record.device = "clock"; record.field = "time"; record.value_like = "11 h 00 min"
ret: 2 h 54 min
